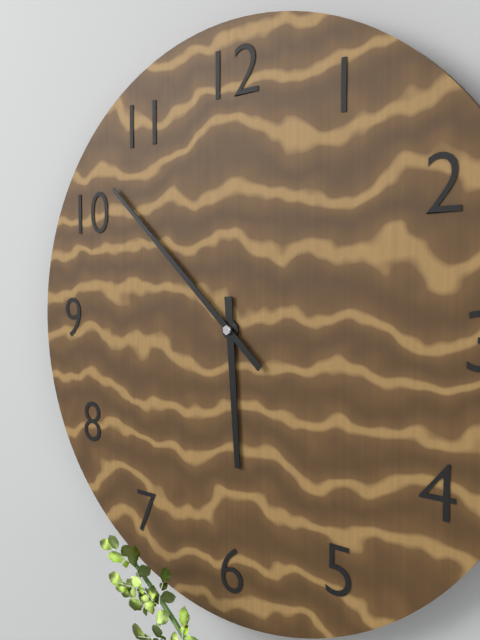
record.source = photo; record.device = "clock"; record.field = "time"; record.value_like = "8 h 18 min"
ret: 5 h 52 min
